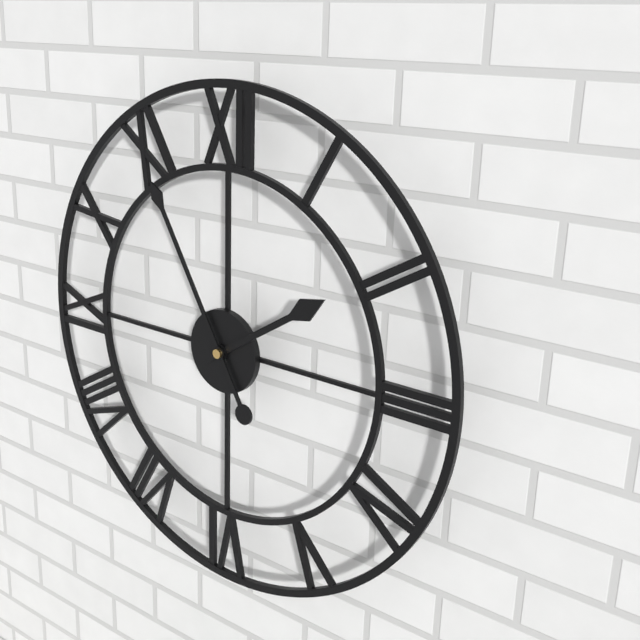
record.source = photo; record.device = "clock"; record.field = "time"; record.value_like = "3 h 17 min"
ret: 1 h 55 min
